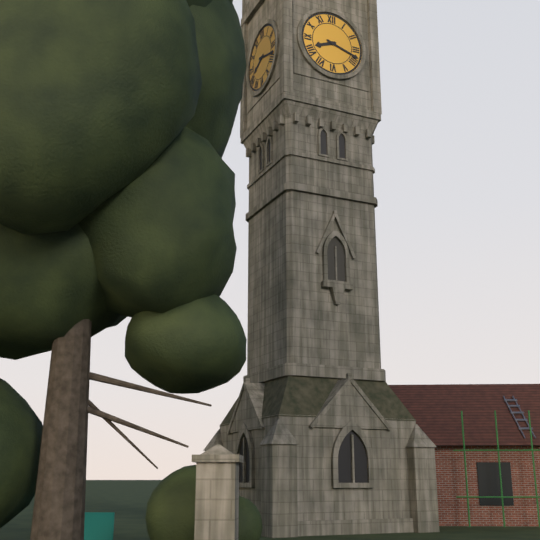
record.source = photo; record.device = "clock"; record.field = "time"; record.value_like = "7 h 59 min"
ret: 8 h 18 min
